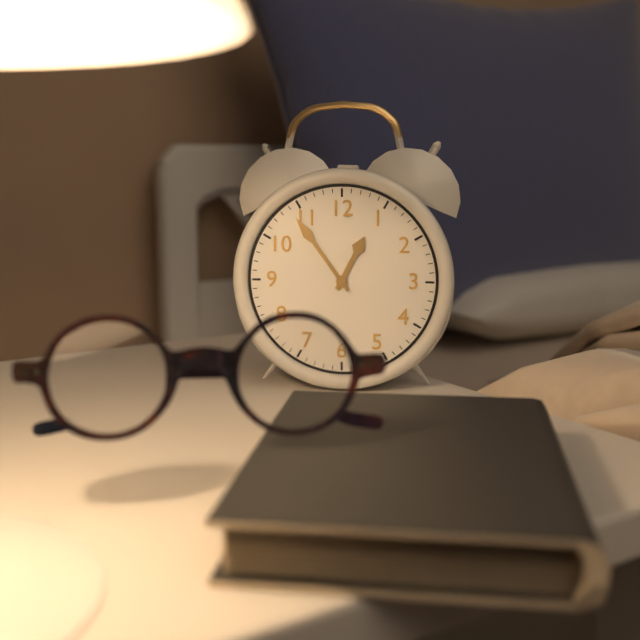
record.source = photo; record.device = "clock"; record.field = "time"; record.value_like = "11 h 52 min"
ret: 12 h 54 min
